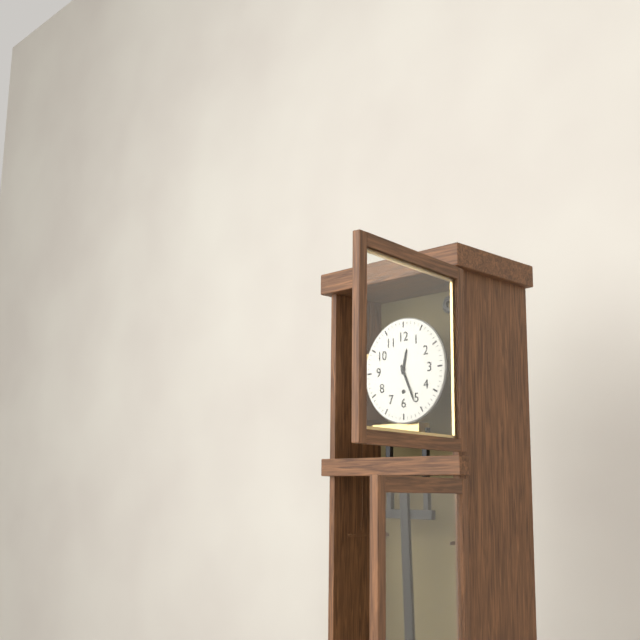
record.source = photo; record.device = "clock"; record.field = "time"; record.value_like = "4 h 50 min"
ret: 12 h 26 min
